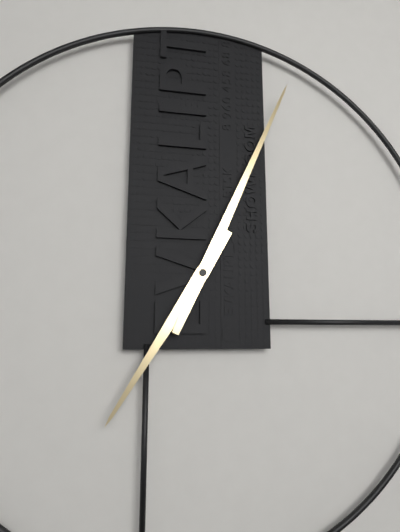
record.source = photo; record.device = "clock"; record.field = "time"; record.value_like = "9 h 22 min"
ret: 7 h 04 min
